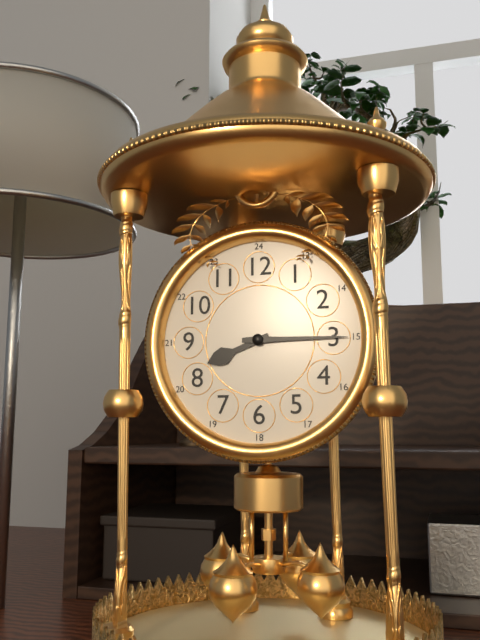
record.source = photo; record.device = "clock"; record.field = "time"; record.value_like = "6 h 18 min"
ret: 8 h 15 min
